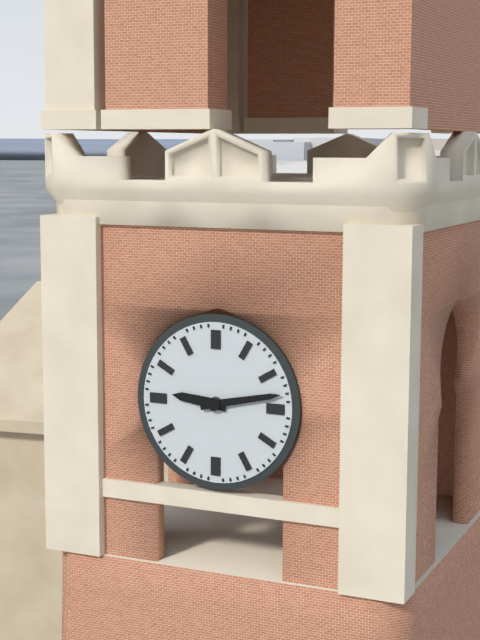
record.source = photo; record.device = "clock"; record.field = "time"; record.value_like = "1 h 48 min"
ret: 9 h 13 min
